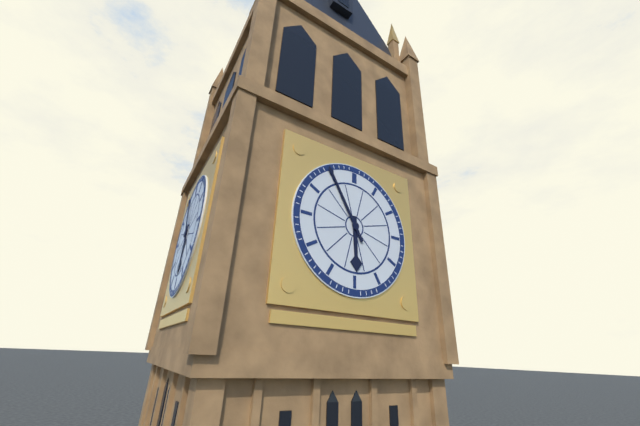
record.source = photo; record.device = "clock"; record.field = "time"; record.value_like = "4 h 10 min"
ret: 5 h 55 min
